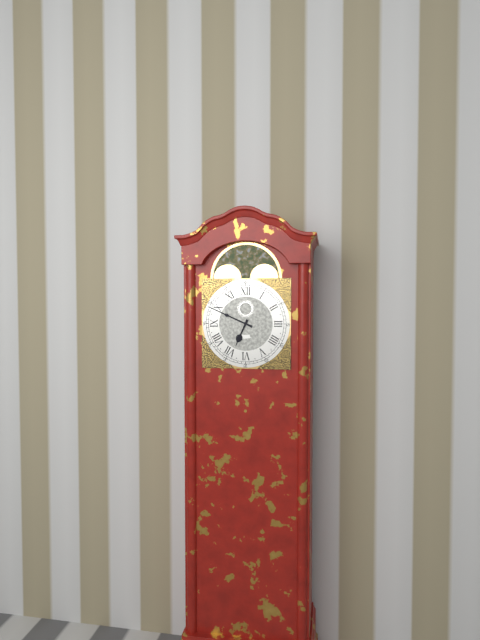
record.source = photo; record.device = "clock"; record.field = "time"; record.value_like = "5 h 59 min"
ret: 6 h 49 min
